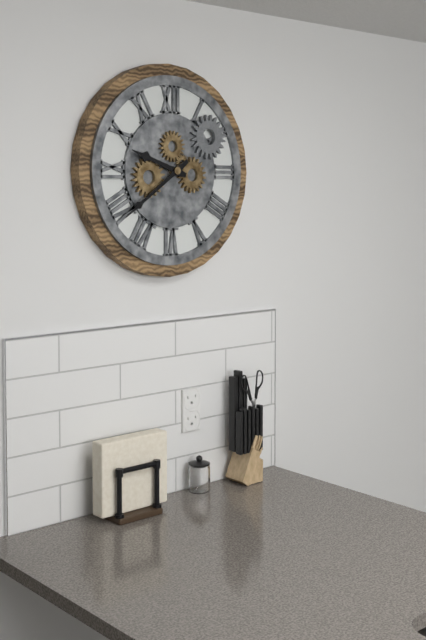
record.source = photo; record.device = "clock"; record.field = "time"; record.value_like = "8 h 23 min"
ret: 9 h 39 min
